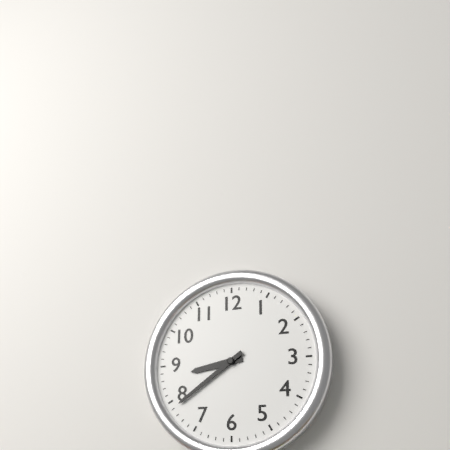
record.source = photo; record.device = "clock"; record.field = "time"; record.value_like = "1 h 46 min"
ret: 8 h 39 min
